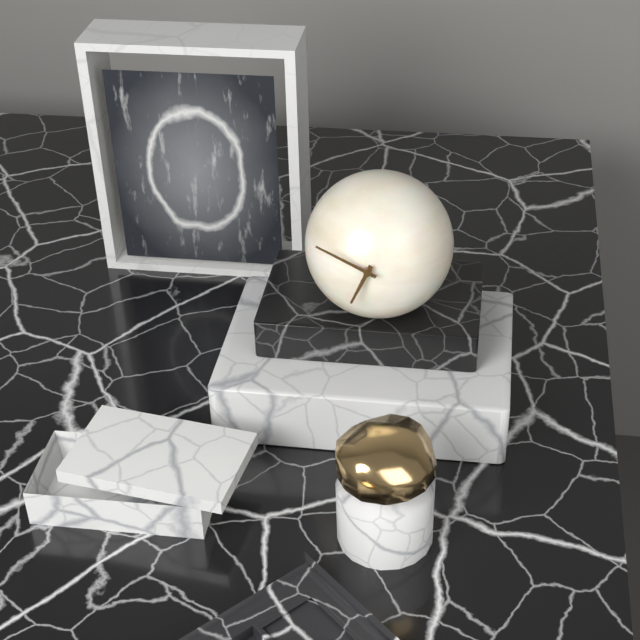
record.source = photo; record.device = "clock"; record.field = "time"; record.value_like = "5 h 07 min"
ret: 6 h 49 min
